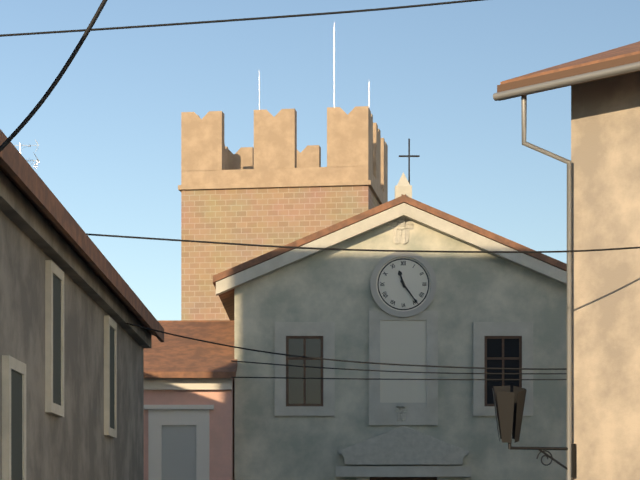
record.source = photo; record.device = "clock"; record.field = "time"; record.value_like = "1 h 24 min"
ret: 11 h 24 min
